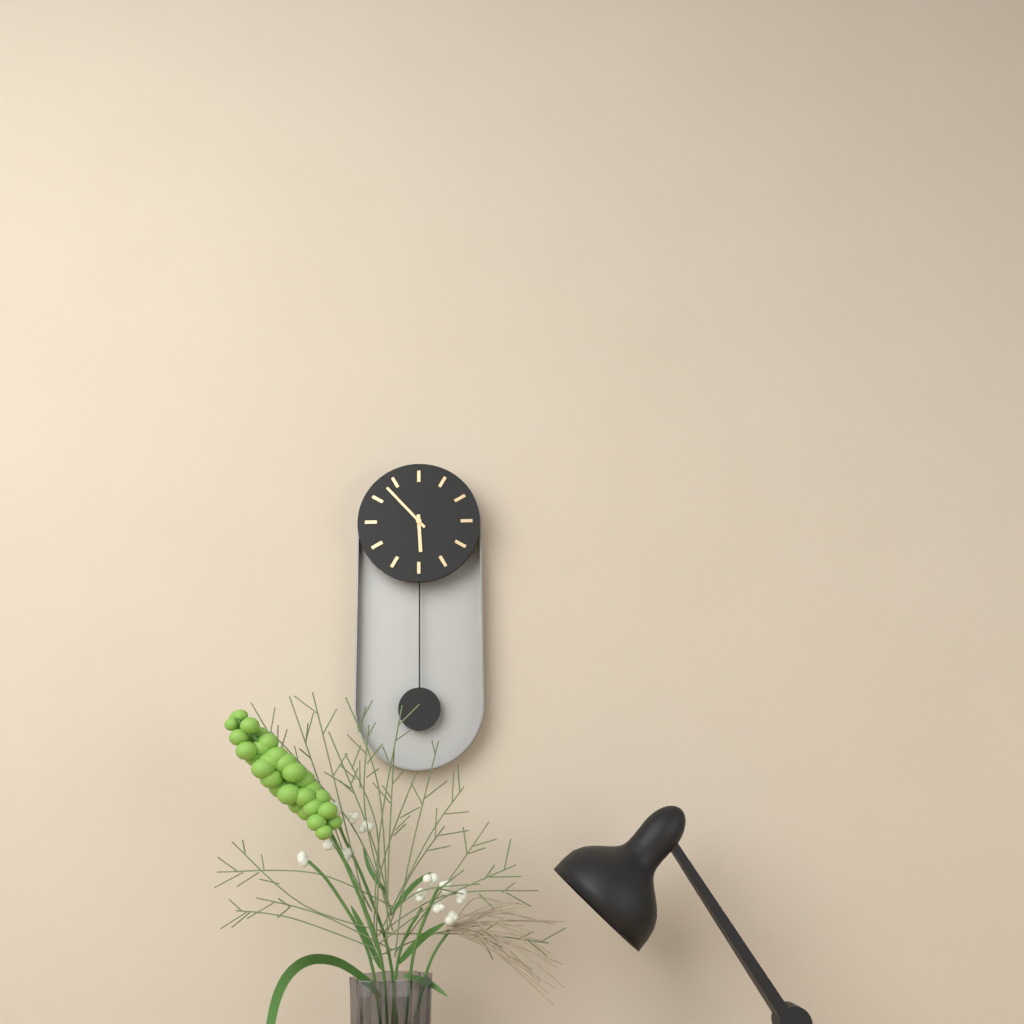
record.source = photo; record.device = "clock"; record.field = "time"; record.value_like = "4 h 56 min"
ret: 5 h 53 min
